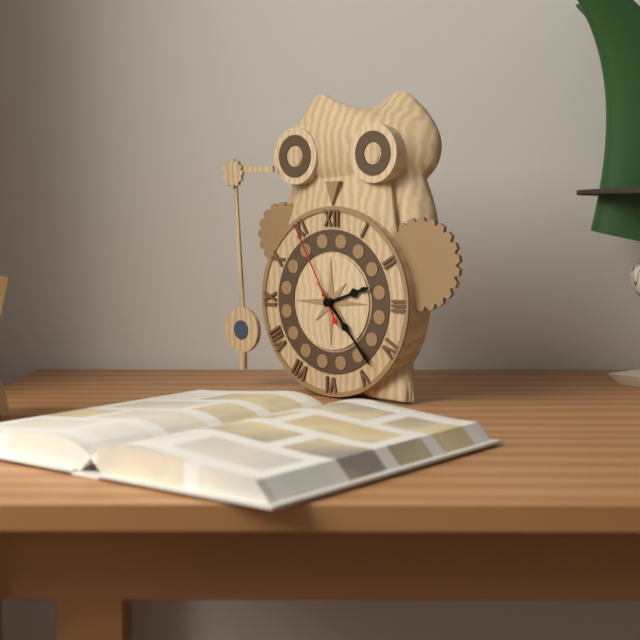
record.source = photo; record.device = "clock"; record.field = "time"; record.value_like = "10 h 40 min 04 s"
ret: 2 h 23 min 55 s
